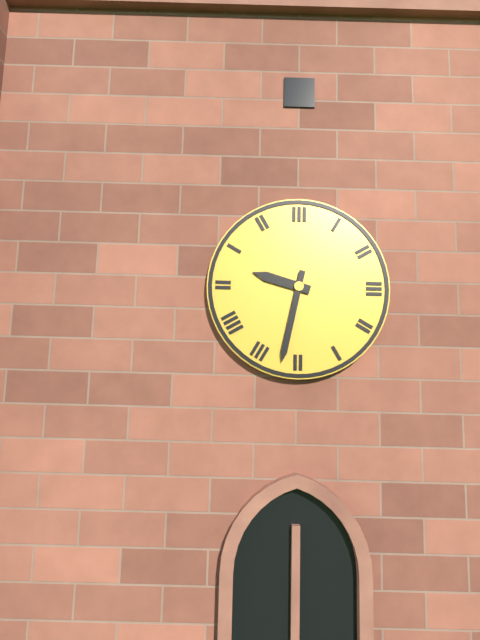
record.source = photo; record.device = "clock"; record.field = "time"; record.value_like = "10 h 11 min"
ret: 9 h 32 min
